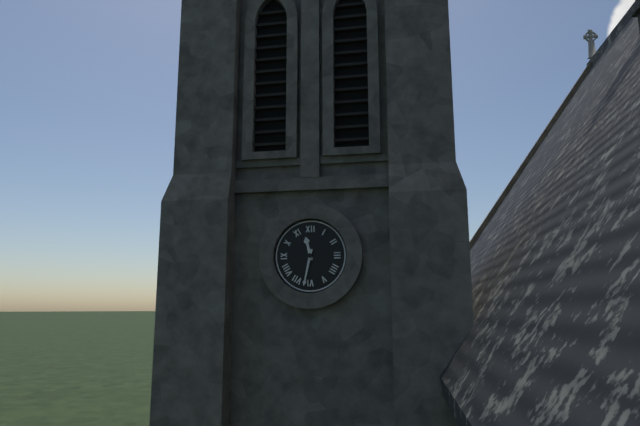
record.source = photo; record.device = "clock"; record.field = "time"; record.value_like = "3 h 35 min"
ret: 11 h 32 min
